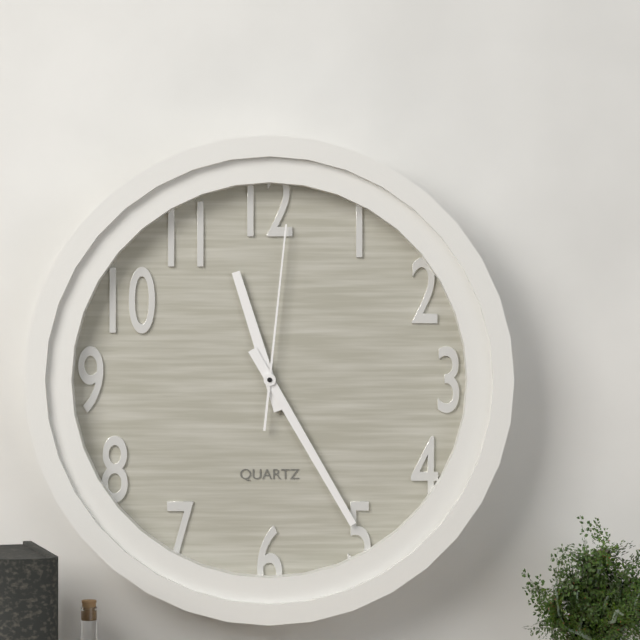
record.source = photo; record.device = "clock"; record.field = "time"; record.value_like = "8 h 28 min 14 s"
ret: 11 h 25 min 01 s
